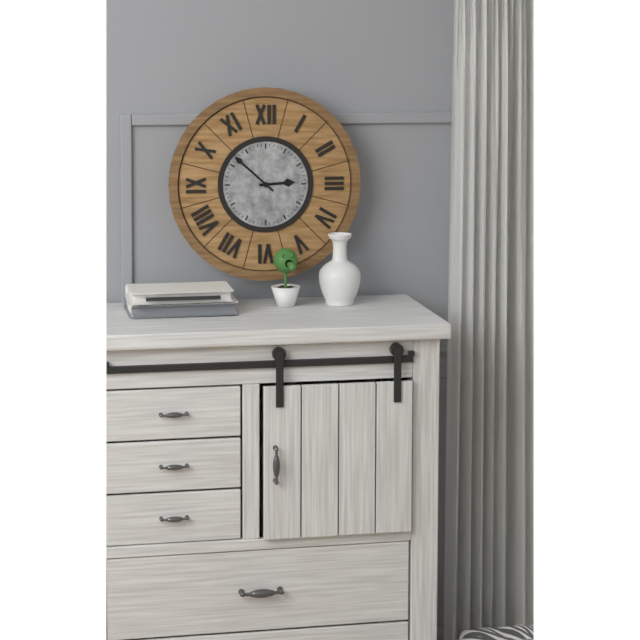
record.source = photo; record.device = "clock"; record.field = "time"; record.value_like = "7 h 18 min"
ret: 2 h 52 min
